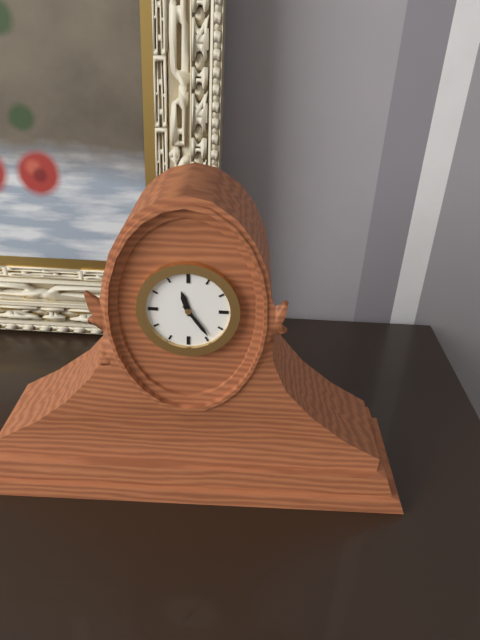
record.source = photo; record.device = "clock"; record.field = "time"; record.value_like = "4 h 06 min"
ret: 11 h 24 min
